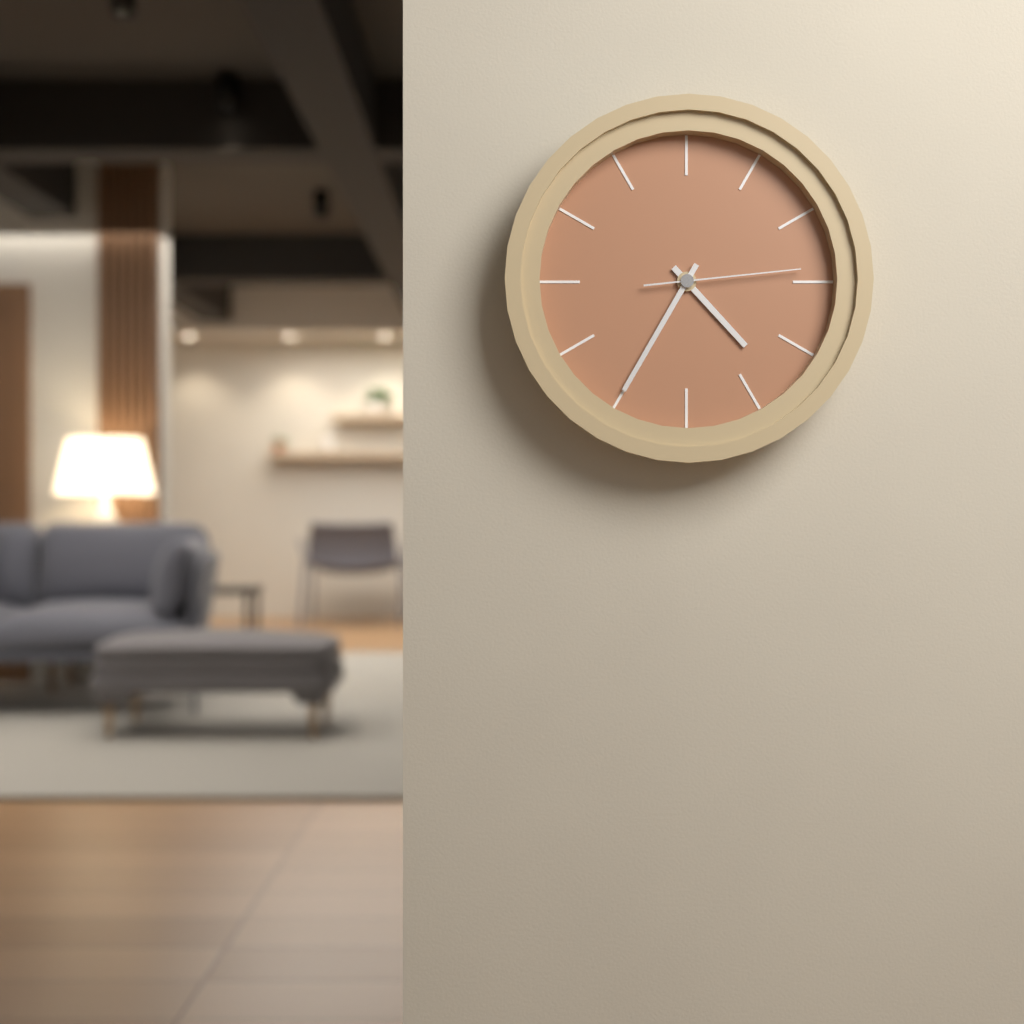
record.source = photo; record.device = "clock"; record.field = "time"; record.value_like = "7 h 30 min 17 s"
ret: 4 h 35 min 14 s
